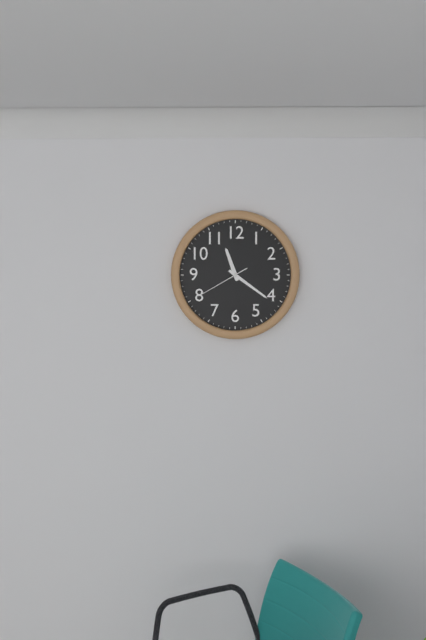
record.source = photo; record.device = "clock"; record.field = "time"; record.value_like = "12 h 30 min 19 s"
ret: 11 h 21 min 40 s
